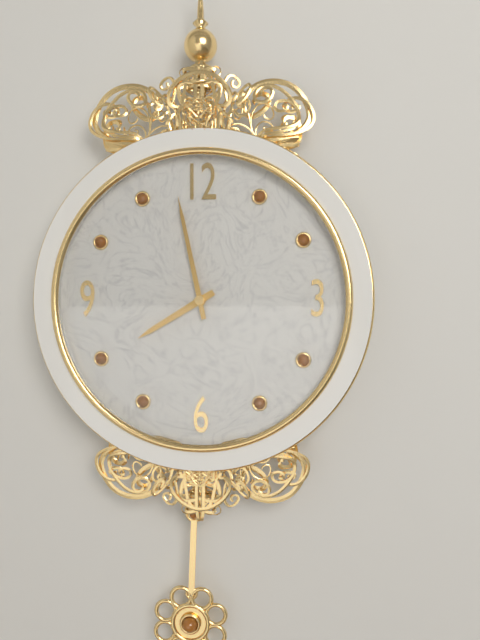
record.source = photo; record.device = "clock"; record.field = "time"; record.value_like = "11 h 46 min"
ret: 7 h 58 min
